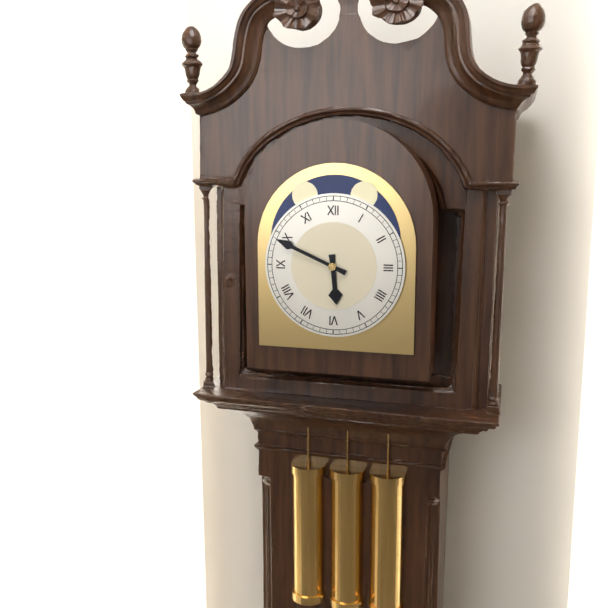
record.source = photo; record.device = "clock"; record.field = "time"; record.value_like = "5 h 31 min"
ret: 5 h 49 min
